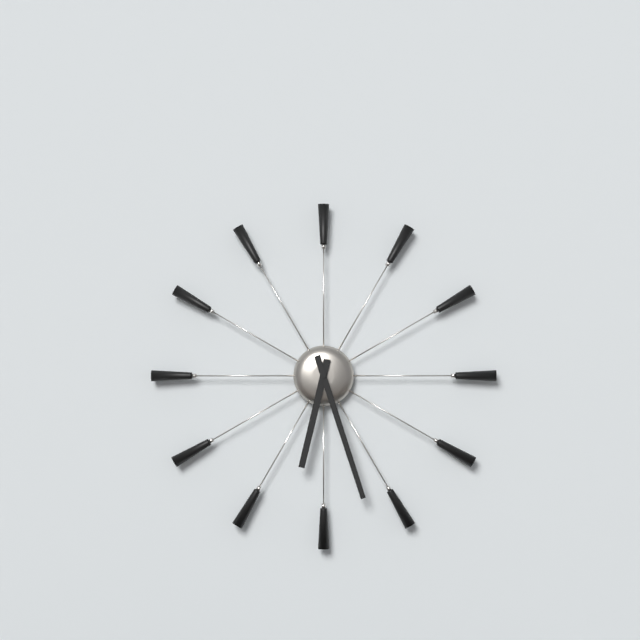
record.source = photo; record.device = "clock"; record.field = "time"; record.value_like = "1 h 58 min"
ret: 6 h 27 min
